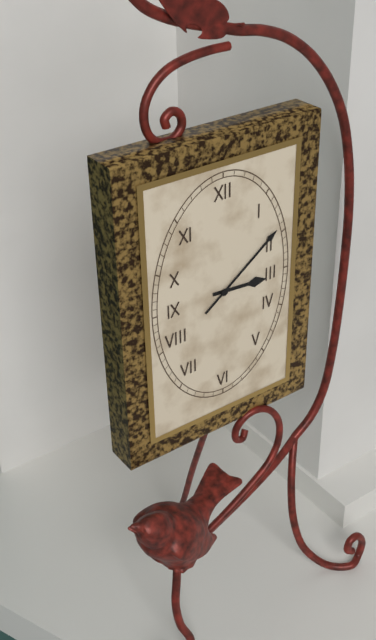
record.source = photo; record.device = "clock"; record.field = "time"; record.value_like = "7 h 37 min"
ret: 3 h 09 min
